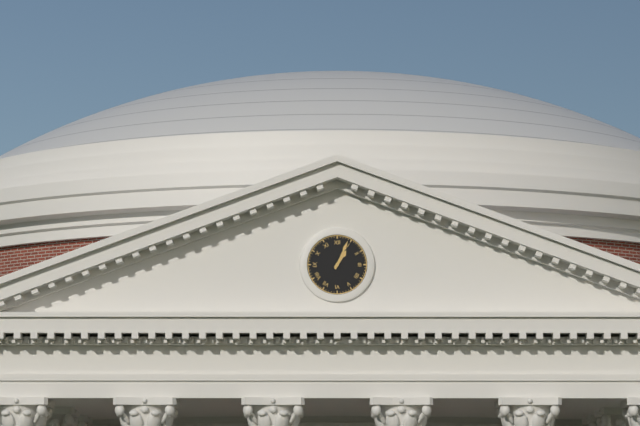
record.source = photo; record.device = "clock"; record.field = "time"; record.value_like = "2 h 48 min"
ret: 1 h 04 min
